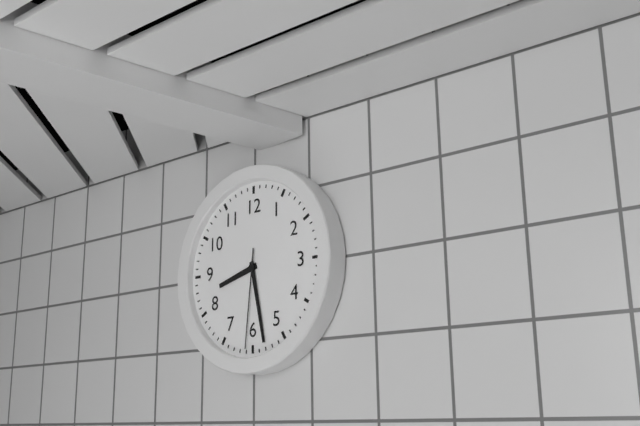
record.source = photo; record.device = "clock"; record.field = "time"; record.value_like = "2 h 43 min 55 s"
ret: 8 h 28 min 31 s
